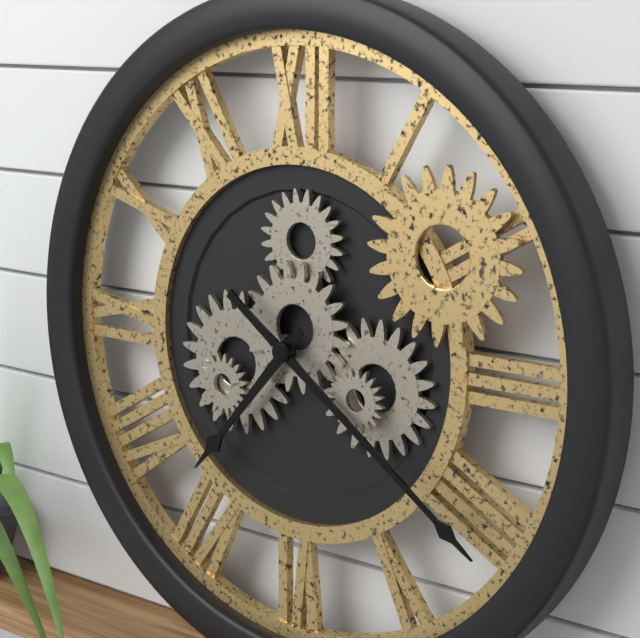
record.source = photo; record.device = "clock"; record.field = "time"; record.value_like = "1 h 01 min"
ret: 7 h 21 min
